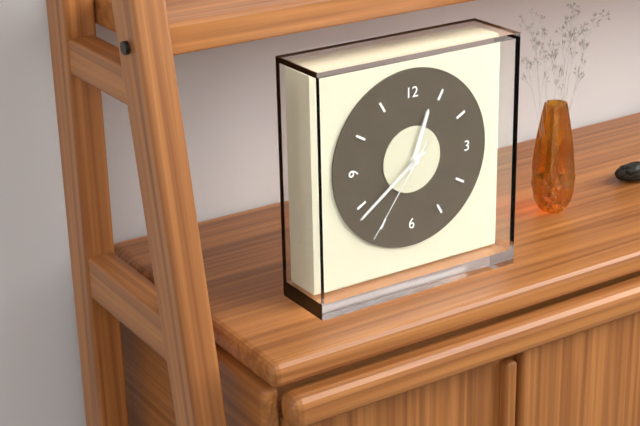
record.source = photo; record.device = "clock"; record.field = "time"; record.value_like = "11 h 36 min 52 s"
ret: 12 h 39 min 36 s
